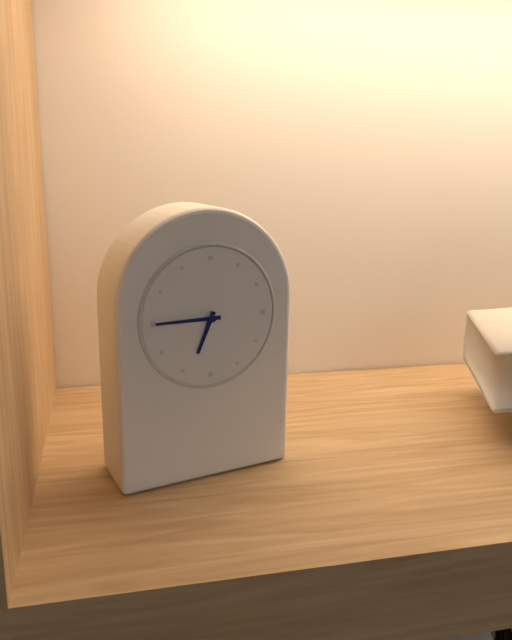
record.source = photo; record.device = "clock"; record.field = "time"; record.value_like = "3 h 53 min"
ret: 6 h 45 min
